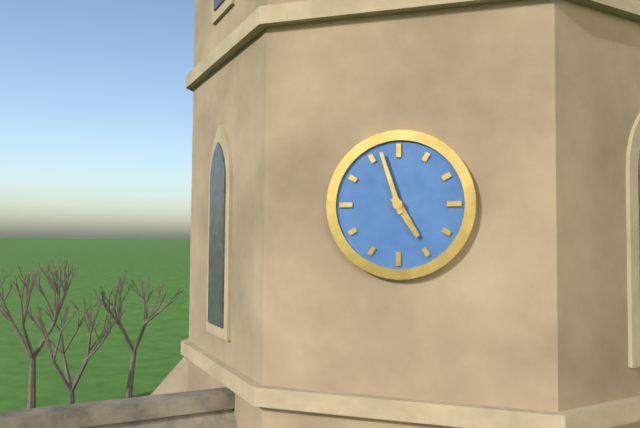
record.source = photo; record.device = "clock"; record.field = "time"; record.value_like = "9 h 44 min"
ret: 4 h 57 min
